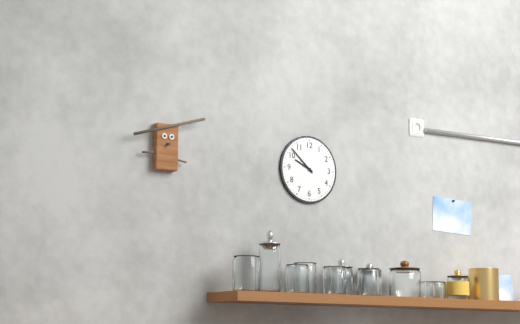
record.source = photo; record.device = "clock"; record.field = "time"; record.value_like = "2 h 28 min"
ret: 9 h 52 min
